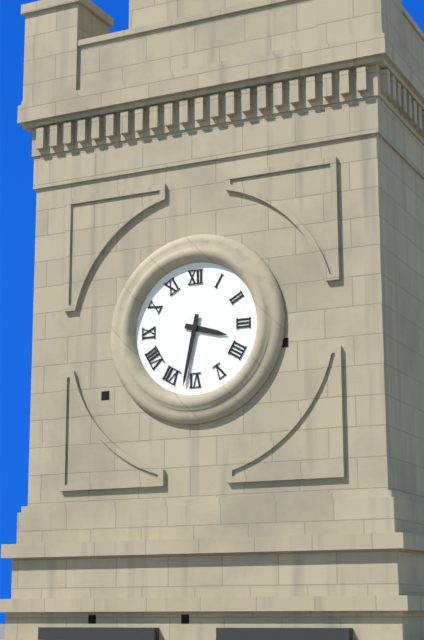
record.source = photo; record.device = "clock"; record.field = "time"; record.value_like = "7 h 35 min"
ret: 3 h 32 min
